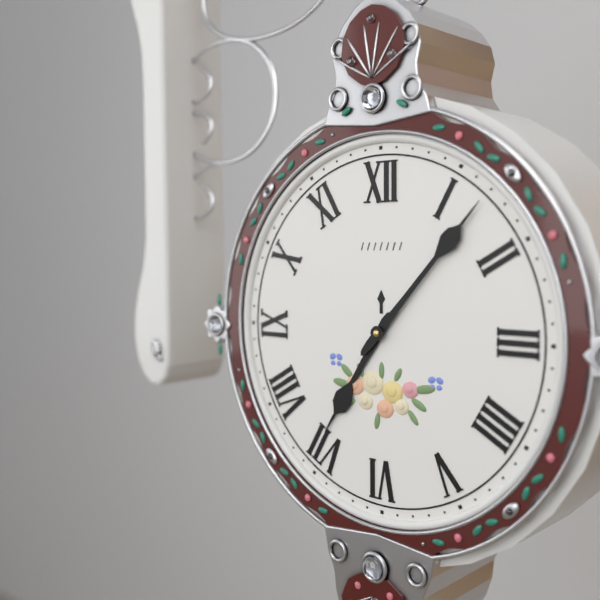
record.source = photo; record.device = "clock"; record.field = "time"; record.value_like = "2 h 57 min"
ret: 7 h 07 min
